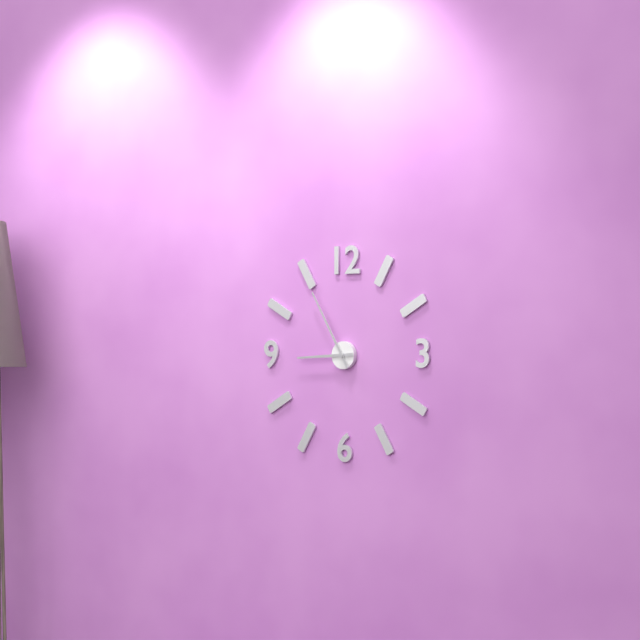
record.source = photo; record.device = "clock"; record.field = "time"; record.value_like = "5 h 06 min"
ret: 8 h 55 min
